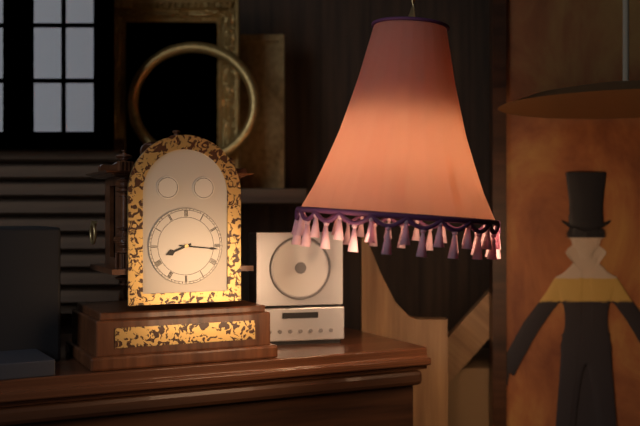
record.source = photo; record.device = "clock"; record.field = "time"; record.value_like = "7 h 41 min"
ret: 8 h 16 min
